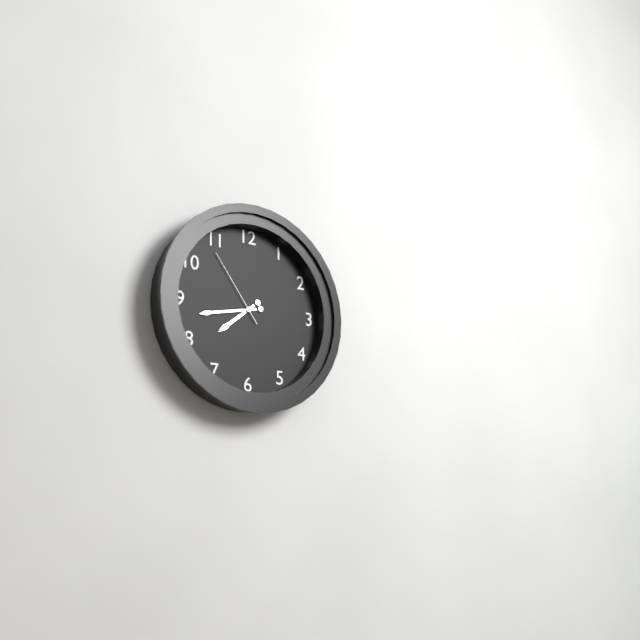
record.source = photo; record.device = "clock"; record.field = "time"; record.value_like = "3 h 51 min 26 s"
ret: 7 h 43 min 54 s
